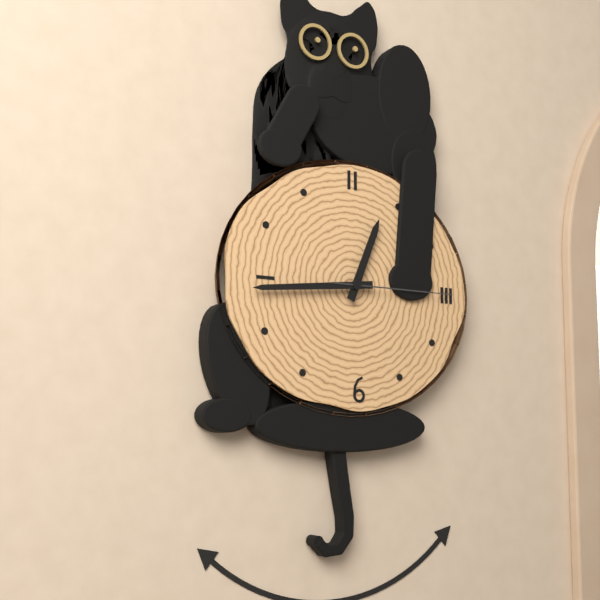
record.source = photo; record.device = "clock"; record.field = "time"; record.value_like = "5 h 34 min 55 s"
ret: 12 h 44 min 15 s
